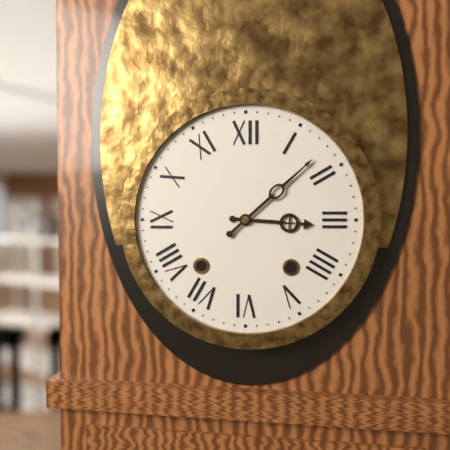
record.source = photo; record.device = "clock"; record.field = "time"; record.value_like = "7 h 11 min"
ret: 3 h 08 min
